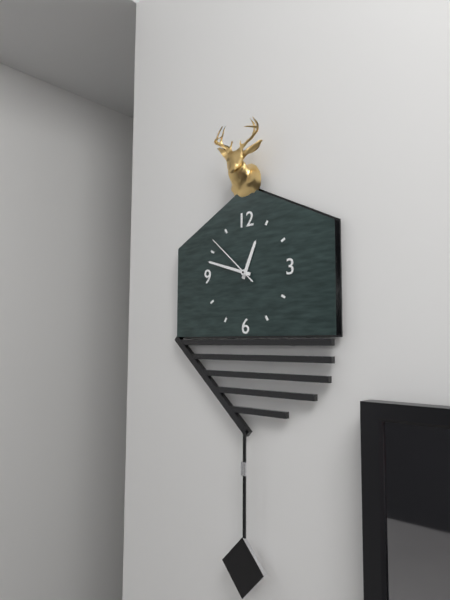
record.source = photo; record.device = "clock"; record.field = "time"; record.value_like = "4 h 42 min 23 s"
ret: 12 h 48 min 52 s
